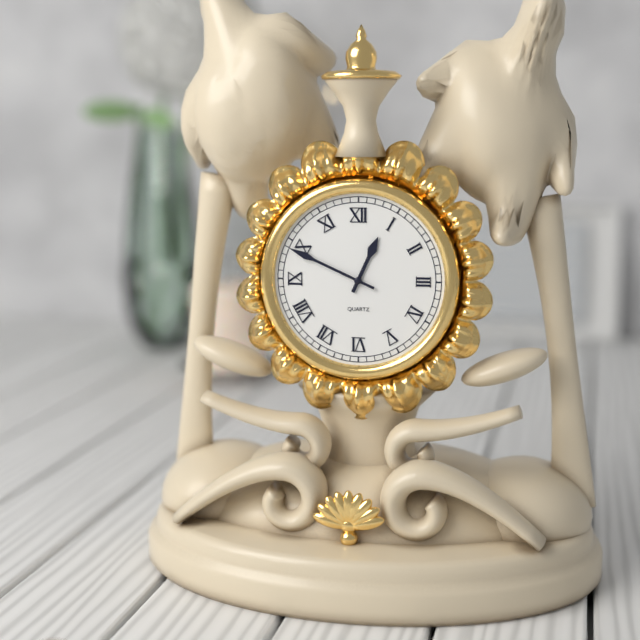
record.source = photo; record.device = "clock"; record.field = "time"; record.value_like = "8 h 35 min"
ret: 12 h 49 min
